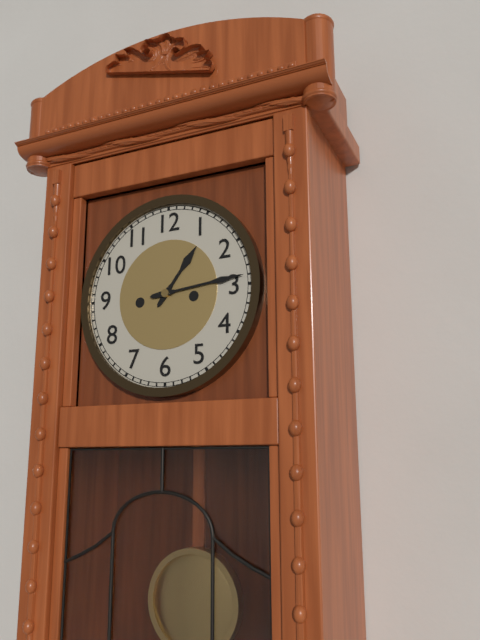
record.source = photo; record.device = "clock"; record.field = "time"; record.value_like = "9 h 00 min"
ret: 1 h 14 min
